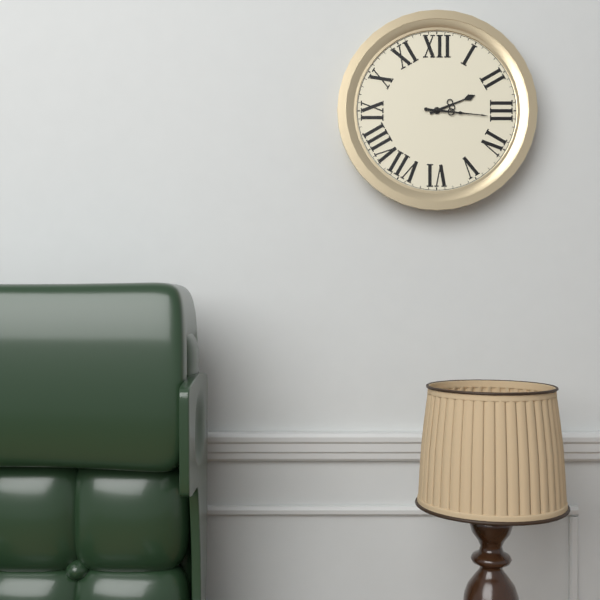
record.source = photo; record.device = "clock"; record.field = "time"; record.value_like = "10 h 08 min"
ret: 2 h 16 min
